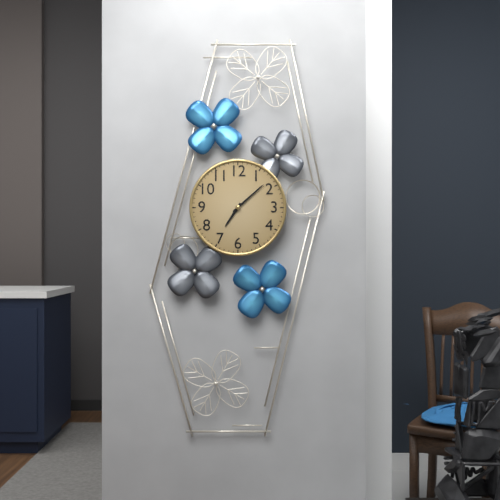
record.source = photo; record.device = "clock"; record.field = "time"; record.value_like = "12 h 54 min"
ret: 7 h 08 min
